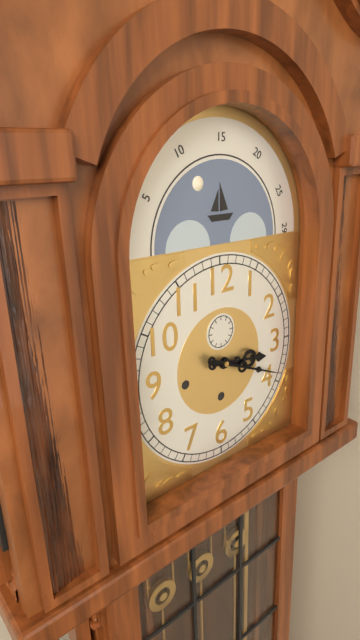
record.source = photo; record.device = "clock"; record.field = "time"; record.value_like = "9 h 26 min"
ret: 3 h 19 min
